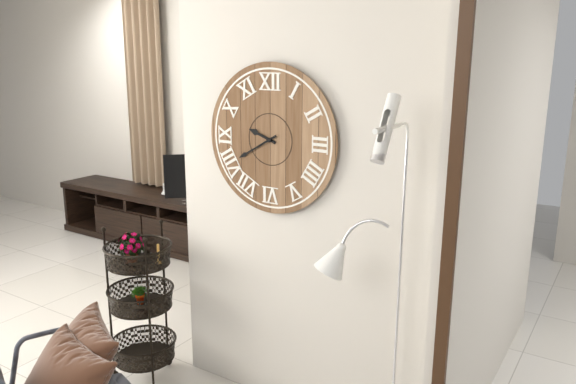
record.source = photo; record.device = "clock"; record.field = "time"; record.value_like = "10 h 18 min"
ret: 9 h 40 min
